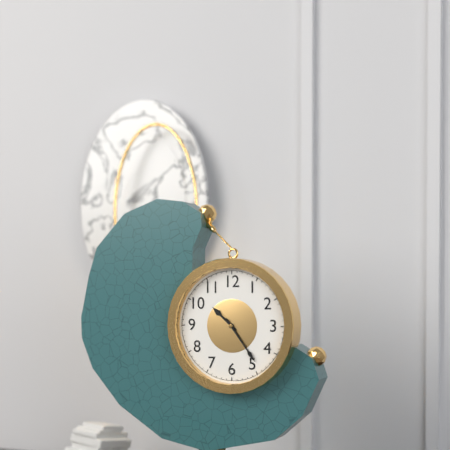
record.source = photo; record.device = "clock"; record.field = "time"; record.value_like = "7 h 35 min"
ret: 10 h 24 min
